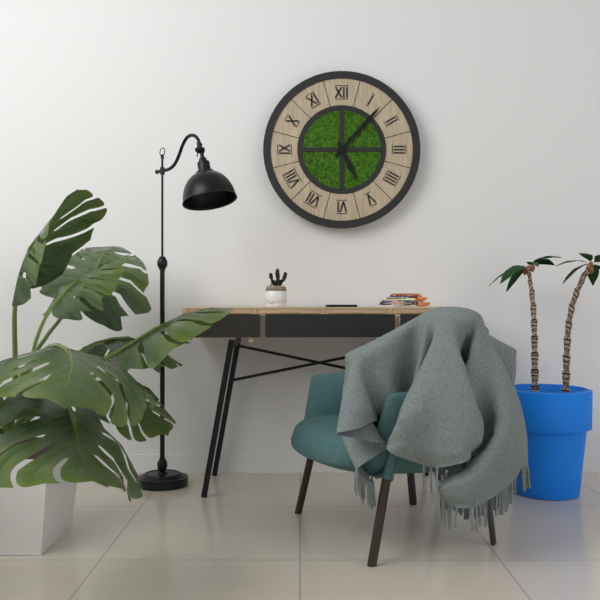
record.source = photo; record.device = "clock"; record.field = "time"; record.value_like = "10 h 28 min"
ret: 5 h 07 min
